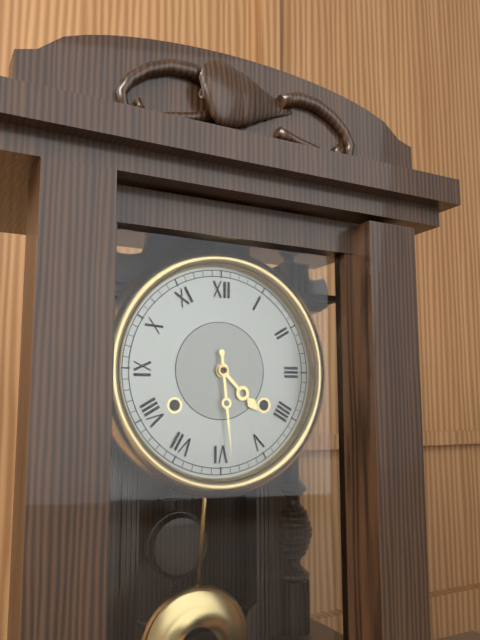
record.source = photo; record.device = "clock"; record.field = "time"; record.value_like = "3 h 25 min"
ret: 4 h 29 min
